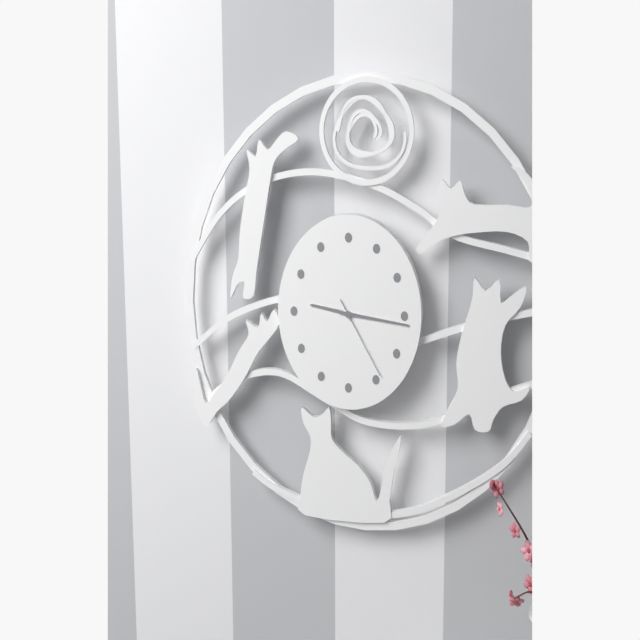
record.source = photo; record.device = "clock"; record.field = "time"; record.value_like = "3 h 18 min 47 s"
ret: 9 h 16 min 24 s
